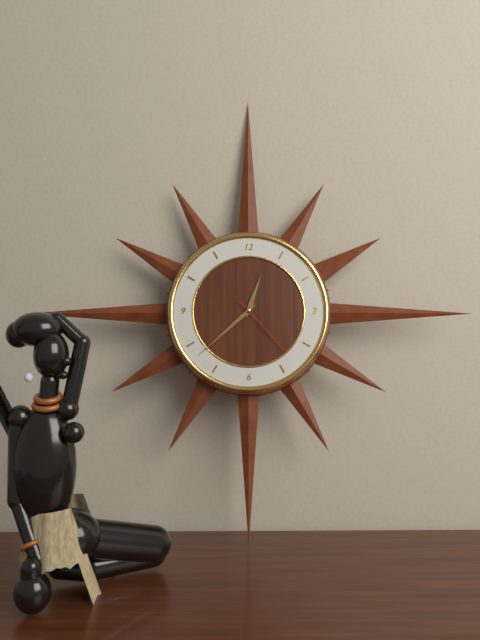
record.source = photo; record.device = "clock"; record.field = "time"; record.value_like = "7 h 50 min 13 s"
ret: 12 h 38 min 23 s
